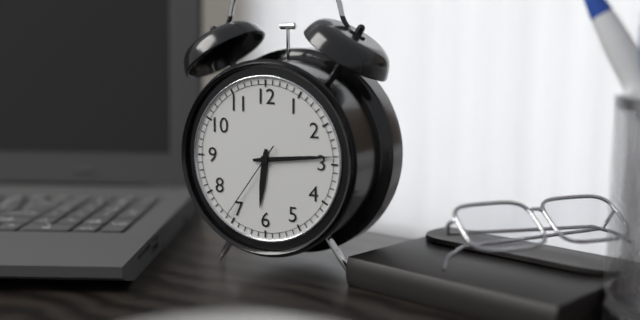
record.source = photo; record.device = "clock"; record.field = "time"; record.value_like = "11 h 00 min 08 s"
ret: 6 h 14 min 36 s
